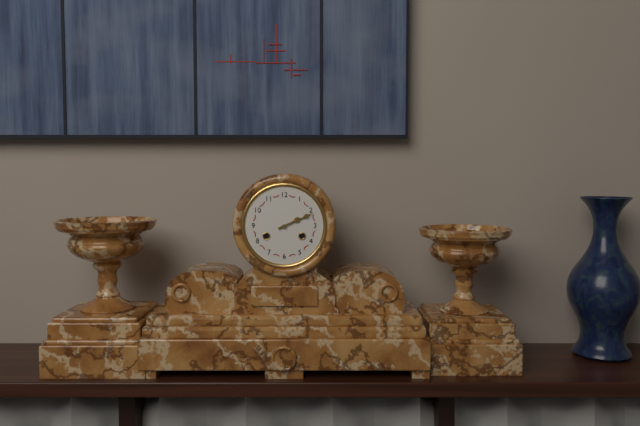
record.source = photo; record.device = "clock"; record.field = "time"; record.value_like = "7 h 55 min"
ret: 2 h 11 min
